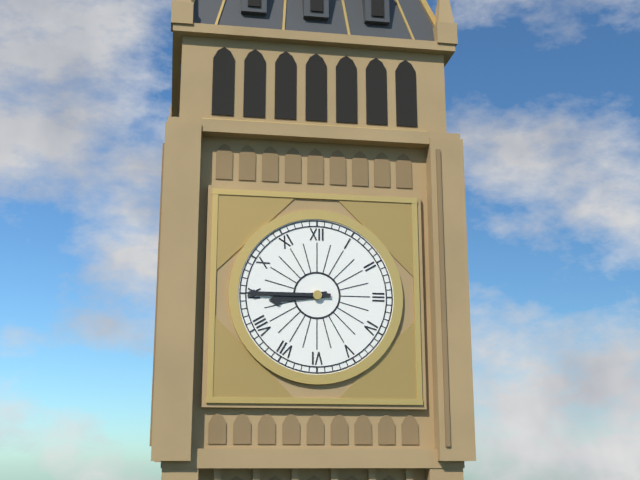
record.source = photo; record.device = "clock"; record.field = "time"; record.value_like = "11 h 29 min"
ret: 8 h 45 min
